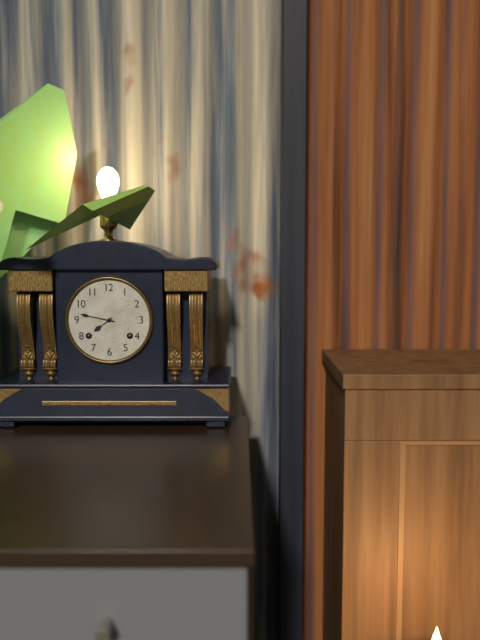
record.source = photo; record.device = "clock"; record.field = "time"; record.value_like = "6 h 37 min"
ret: 7 h 47 min
